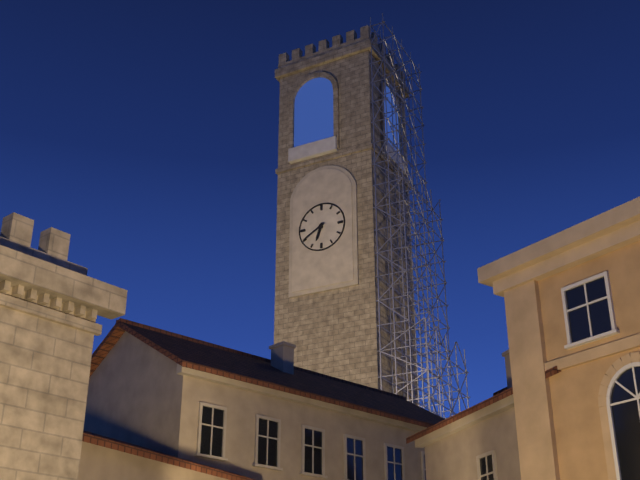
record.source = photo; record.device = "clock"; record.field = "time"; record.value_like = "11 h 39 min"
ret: 6 h 40 min
